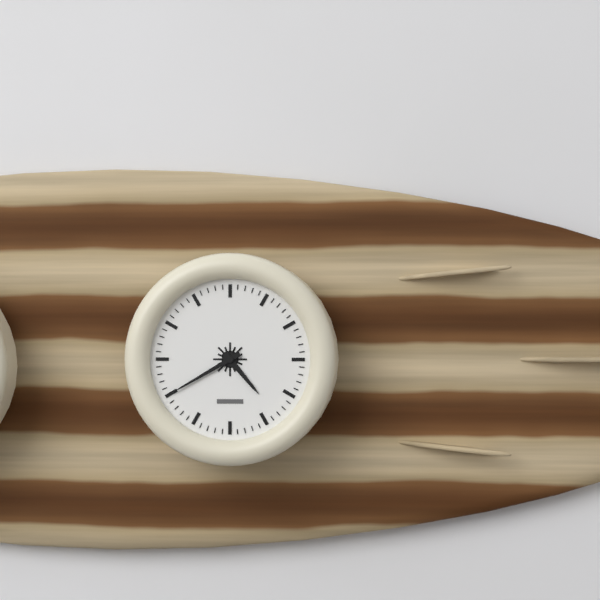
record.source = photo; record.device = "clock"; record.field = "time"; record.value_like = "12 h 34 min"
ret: 4 h 40 min
